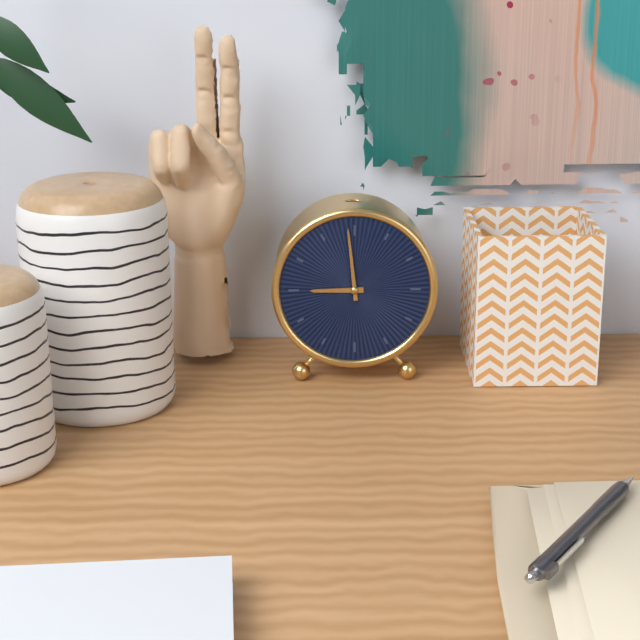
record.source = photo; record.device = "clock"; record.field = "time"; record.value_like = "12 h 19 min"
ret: 8 h 59 min
